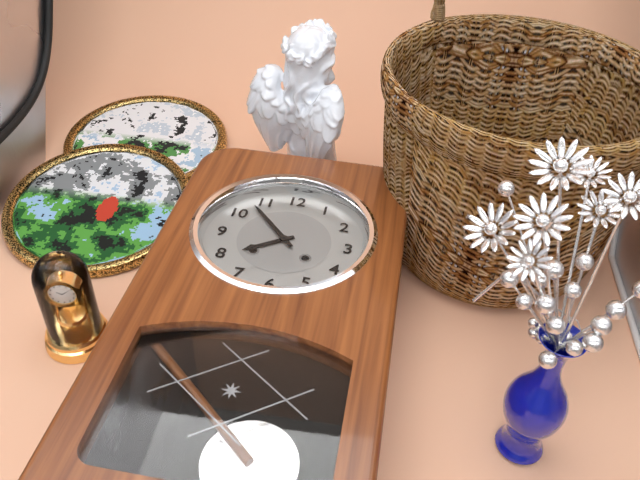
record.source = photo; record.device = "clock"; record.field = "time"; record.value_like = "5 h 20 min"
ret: 7 h 53 min
